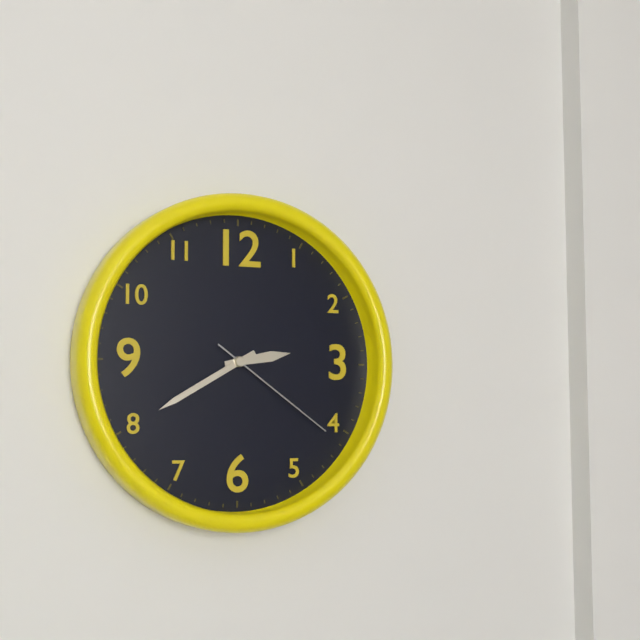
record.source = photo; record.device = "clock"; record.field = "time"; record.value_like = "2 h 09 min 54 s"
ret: 2 h 40 min 21 s
